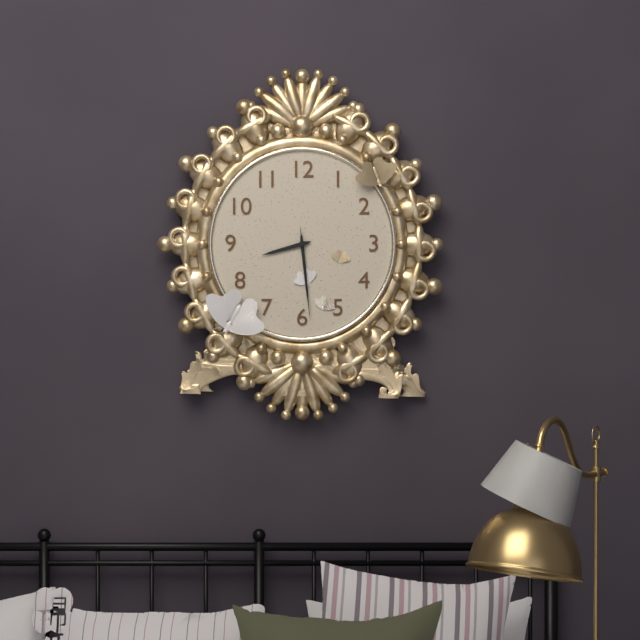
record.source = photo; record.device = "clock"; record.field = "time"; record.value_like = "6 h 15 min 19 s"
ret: 8 h 29 min 29 s
